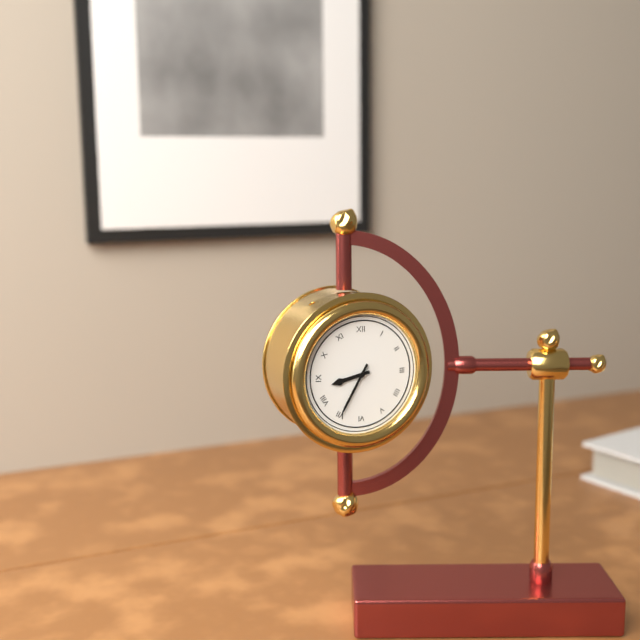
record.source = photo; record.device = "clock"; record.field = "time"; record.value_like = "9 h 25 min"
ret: 8 h 35 min
